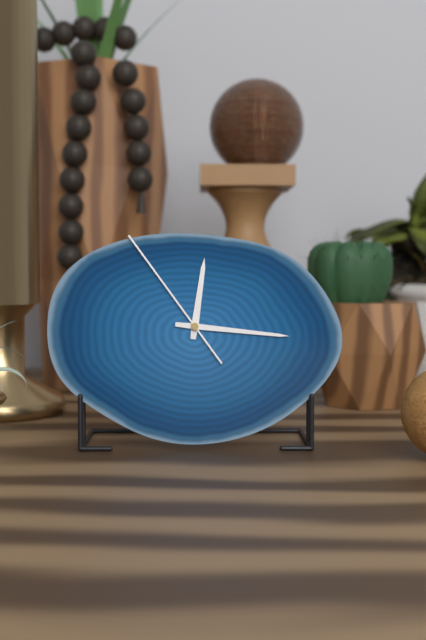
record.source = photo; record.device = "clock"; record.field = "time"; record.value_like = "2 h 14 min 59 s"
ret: 12 h 16 min 54 s
